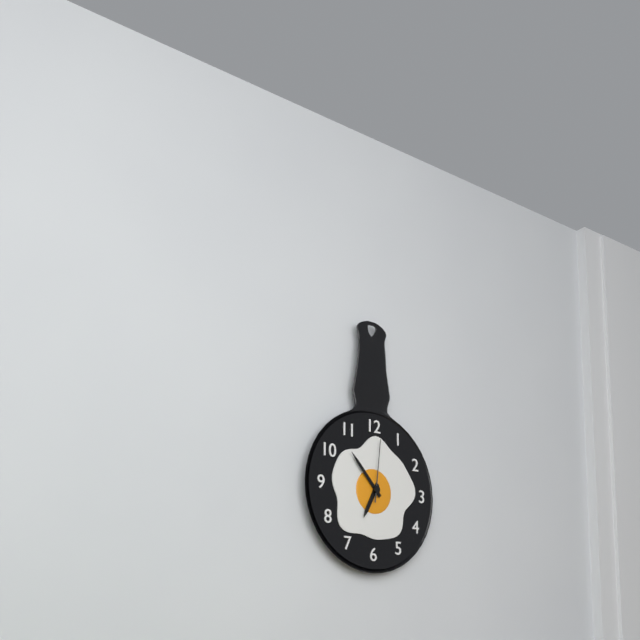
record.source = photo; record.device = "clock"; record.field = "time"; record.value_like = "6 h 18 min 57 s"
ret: 6 h 53 min 01 s
